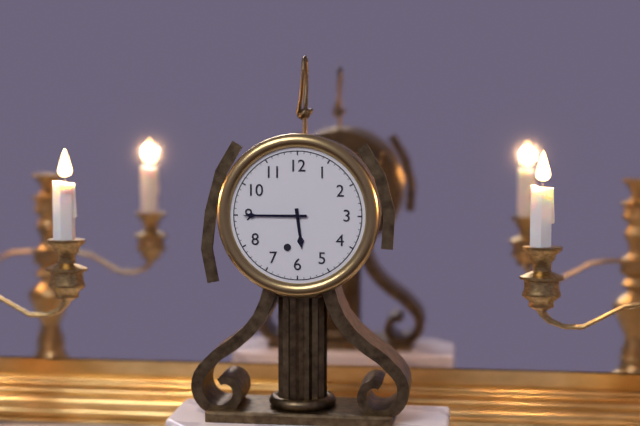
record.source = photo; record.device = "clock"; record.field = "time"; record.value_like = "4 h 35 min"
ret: 5 h 45 min
